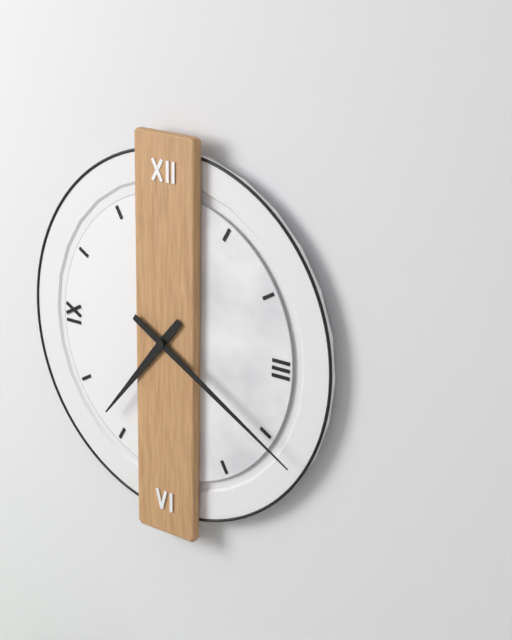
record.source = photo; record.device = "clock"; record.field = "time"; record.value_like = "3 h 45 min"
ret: 7 h 20 min
